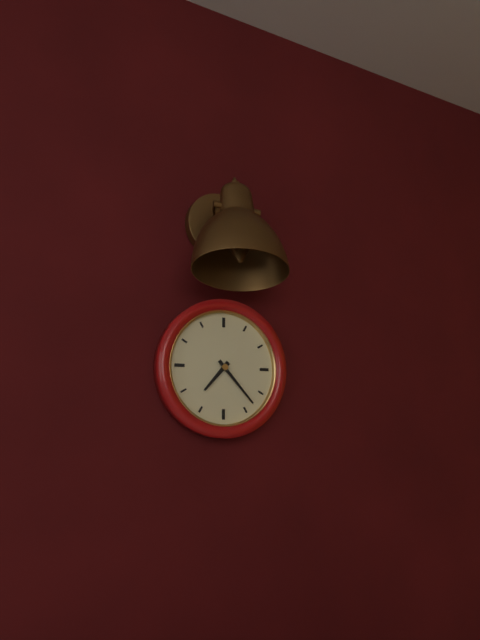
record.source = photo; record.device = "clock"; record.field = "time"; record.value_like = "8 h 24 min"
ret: 7 h 23 min
